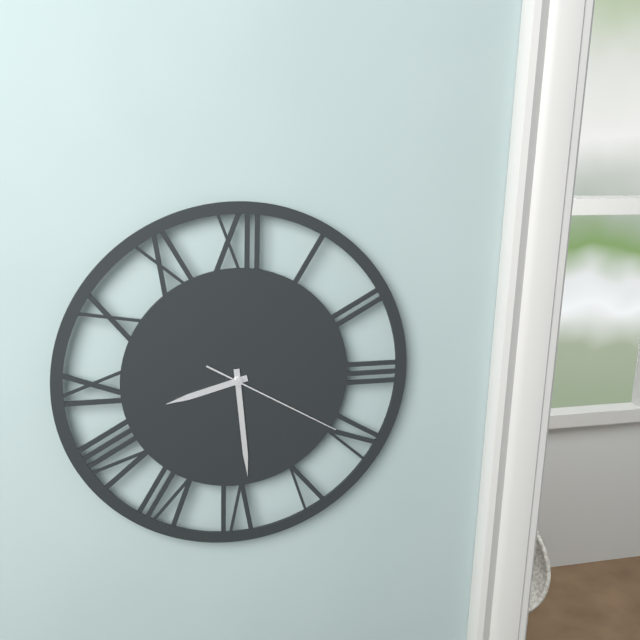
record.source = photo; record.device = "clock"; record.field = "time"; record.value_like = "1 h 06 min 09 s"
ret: 8 h 29 min 20 s
